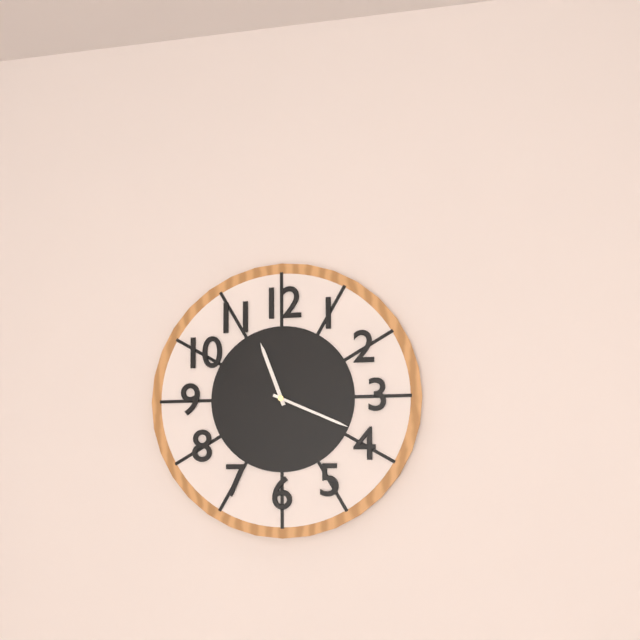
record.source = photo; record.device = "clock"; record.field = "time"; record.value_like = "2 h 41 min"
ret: 11 h 19 min
